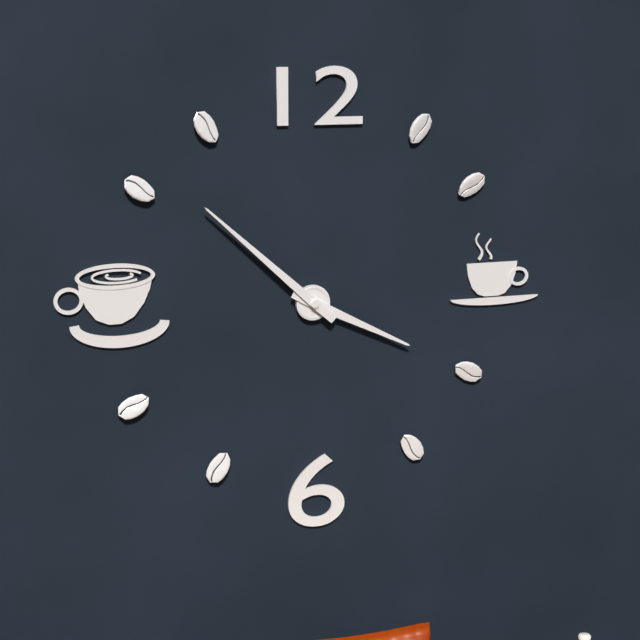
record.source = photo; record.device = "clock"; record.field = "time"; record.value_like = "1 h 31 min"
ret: 3 h 52 min
